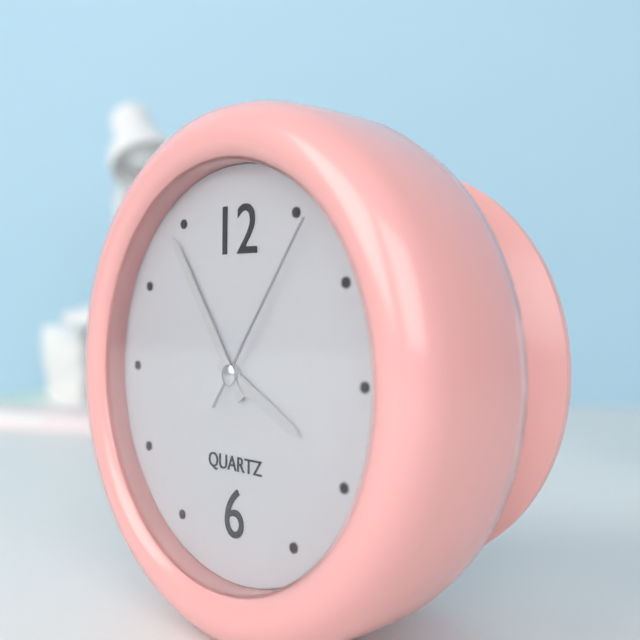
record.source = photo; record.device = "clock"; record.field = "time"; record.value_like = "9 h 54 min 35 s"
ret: 3 h 54 min 06 s
